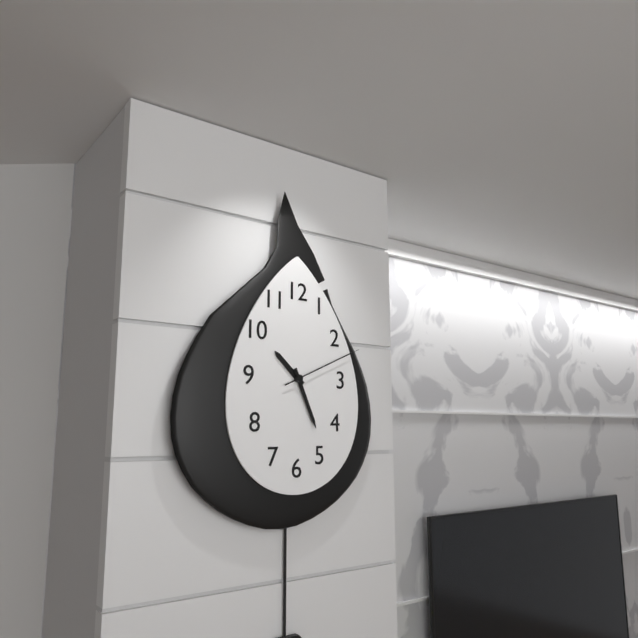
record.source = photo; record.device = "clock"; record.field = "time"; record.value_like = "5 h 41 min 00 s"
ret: 10 h 26 min 11 s
